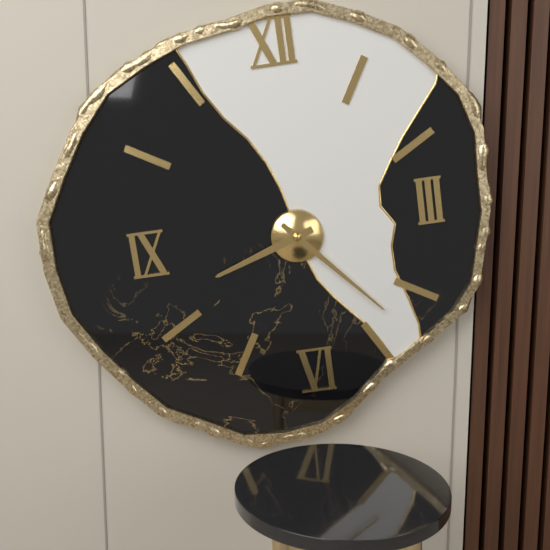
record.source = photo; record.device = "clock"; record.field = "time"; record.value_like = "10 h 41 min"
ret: 8 h 23 min
